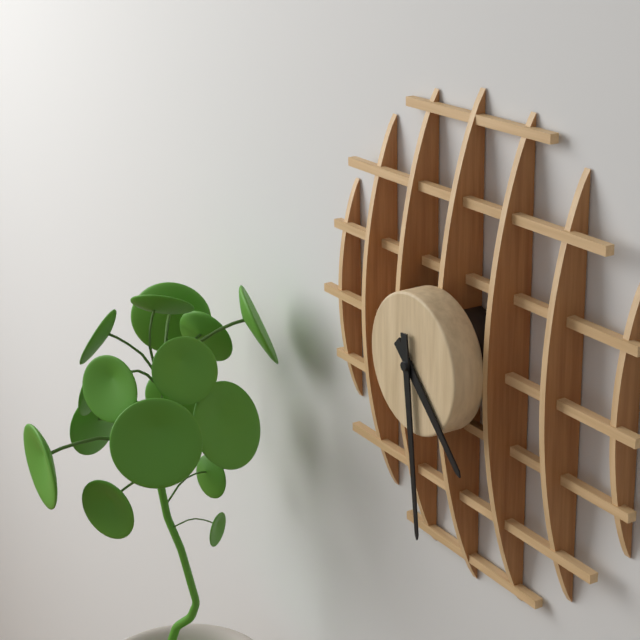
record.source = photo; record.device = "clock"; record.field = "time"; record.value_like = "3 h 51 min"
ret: 4 h 29 min
